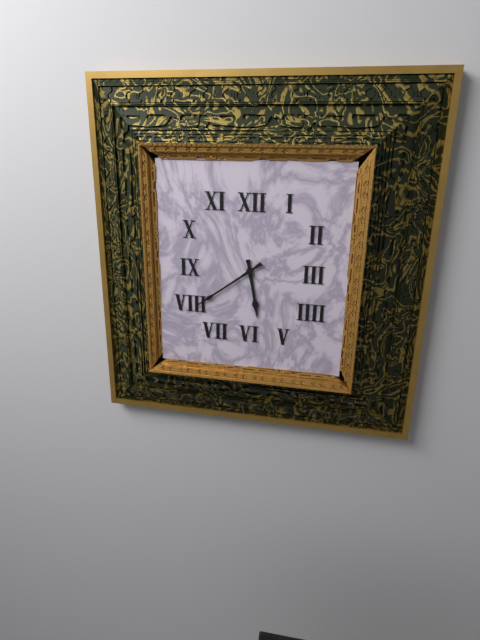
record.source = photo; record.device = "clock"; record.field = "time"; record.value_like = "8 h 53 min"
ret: 5 h 39 min
